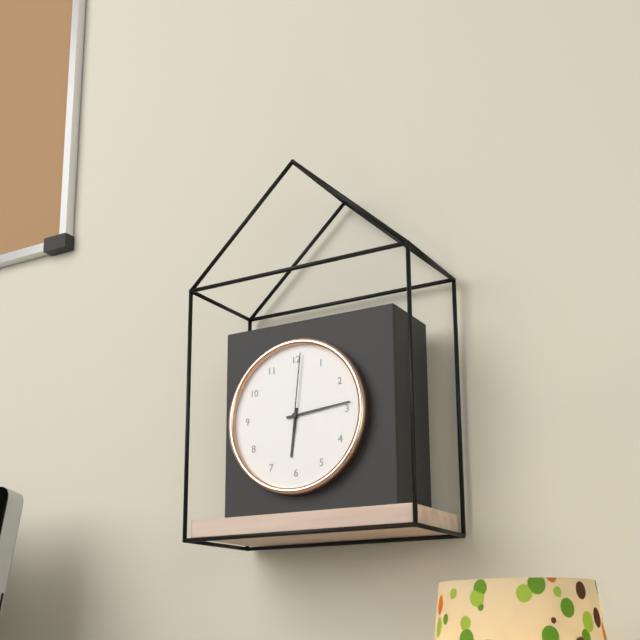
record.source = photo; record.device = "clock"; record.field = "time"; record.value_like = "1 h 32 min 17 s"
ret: 6 h 14 min 01 s
